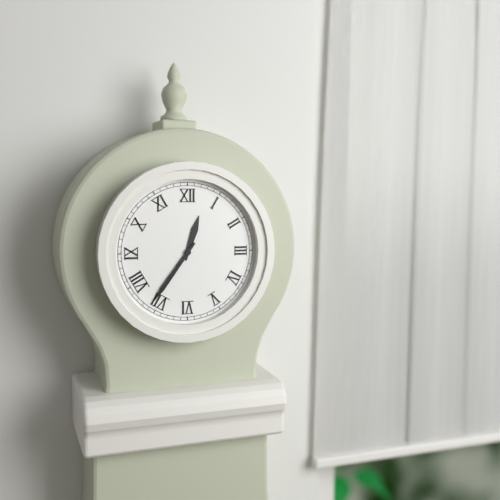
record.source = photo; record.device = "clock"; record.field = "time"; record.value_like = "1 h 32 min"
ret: 12 h 36 min
